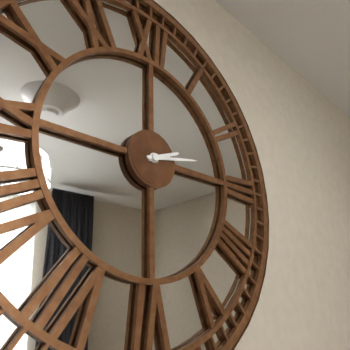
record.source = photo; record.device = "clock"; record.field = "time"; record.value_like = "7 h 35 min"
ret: 2 h 13 min
